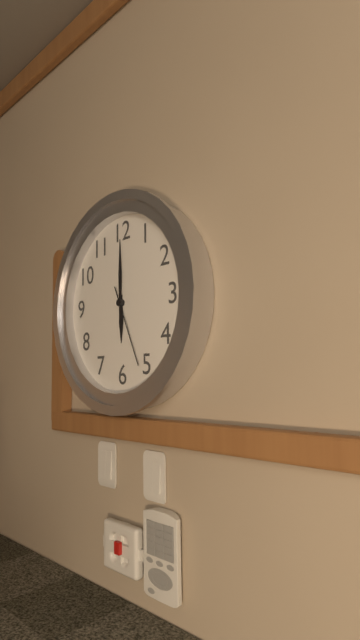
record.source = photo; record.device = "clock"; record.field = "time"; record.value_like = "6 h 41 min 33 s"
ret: 6 h 00 min 26 s
